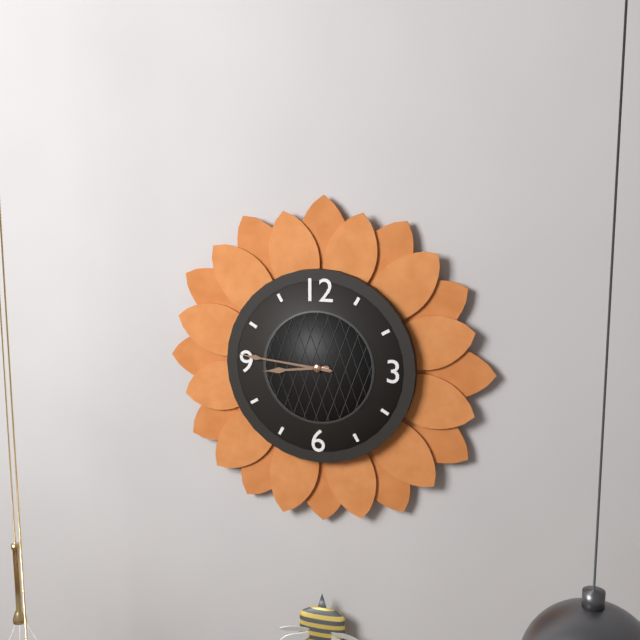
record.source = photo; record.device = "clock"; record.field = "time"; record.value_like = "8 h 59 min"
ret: 8 h 46 min
